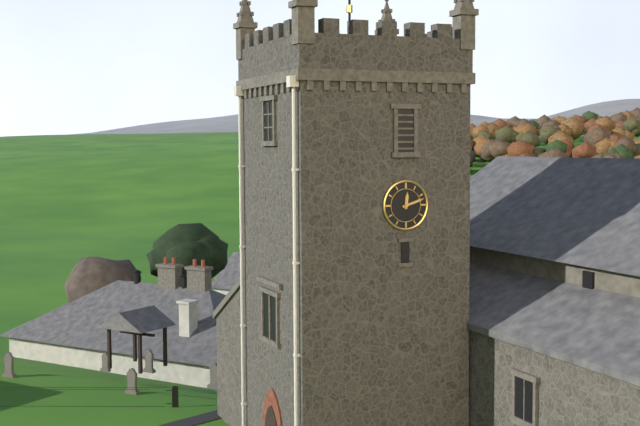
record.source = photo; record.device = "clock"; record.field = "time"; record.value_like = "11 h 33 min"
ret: 12 h 12 min
